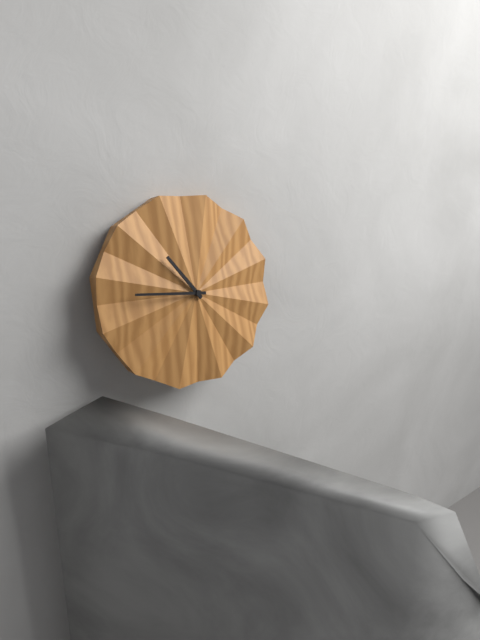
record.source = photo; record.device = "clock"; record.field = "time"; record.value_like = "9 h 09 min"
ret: 10 h 46 min
